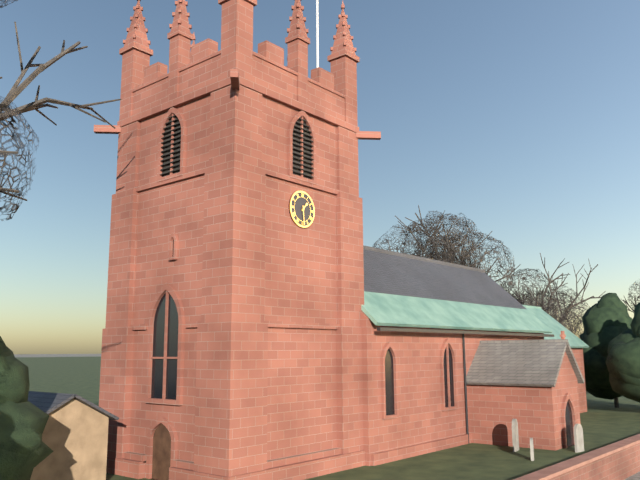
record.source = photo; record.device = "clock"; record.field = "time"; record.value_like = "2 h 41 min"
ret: 1 h 29 min
